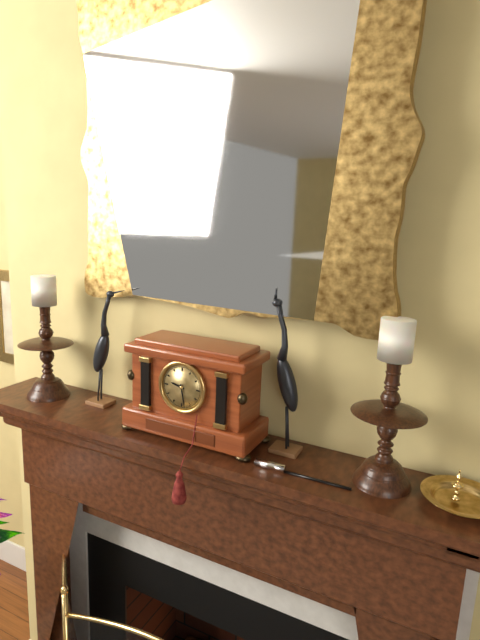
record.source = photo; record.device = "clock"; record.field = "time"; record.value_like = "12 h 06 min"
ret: 9 h 28 min
